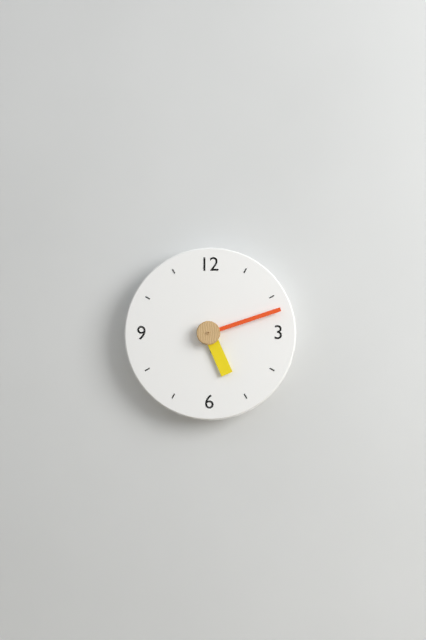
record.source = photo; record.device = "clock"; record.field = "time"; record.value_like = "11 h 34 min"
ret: 5 h 12 min
